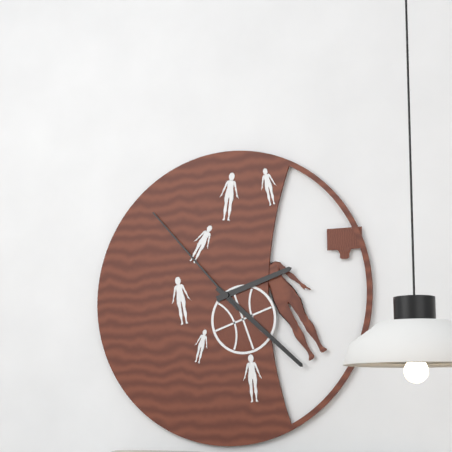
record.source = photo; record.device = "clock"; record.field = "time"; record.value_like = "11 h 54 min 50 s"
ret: 2 h 22 min 53 s
